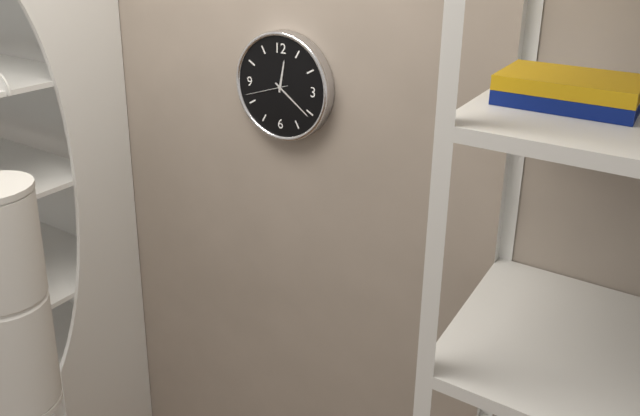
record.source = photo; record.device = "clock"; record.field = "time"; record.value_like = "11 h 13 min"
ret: 12 h 21 min
